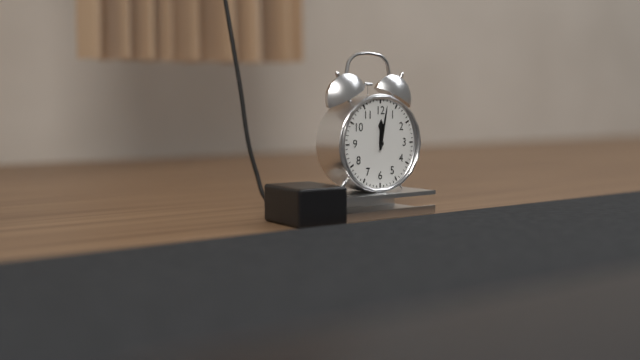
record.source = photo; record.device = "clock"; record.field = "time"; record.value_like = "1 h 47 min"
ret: 12 h 02 min
